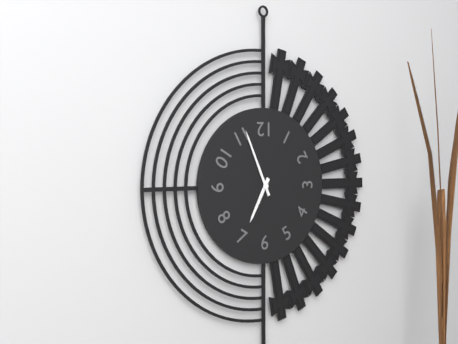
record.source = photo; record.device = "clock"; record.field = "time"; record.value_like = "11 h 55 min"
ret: 6 h 56 min
